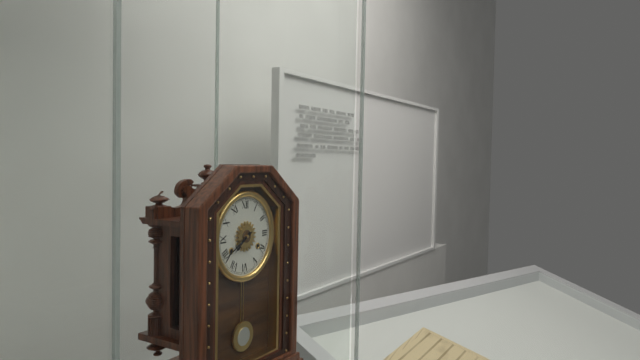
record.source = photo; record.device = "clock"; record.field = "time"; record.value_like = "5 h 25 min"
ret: 7 h 40 min
